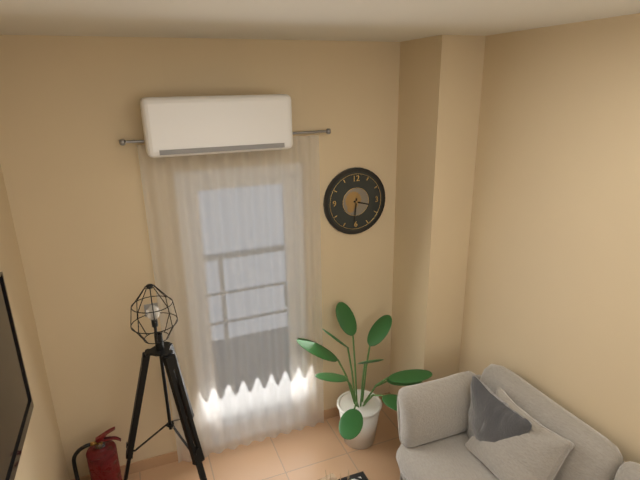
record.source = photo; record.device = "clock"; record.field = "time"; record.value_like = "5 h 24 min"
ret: 3 h 31 min
